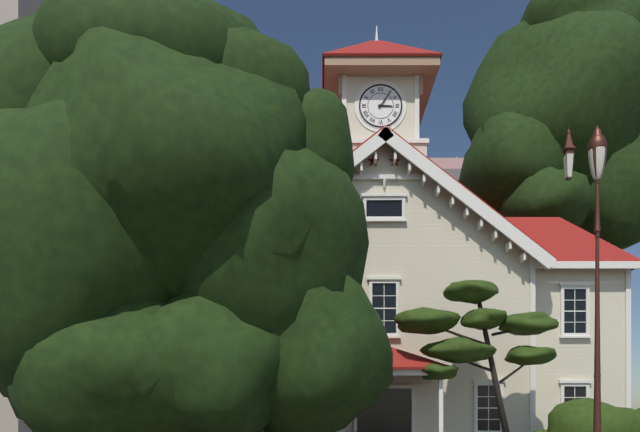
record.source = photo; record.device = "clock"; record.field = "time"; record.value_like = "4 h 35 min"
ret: 3 h 06 min
